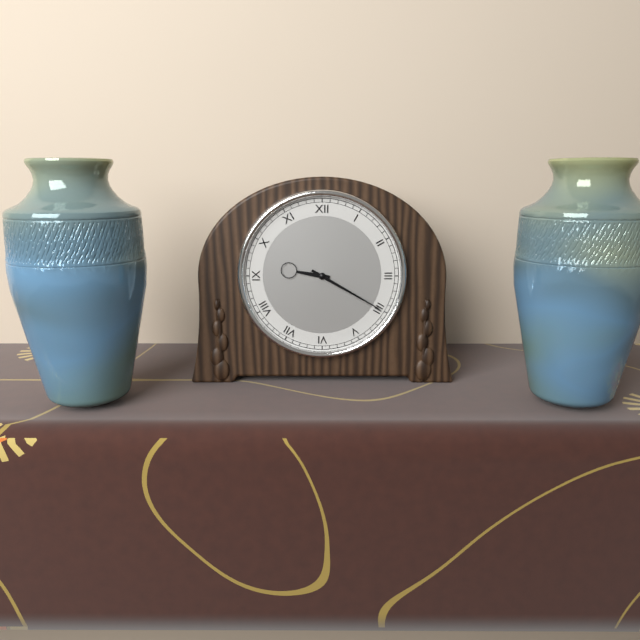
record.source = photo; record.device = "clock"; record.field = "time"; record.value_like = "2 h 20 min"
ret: 9 h 20 min
